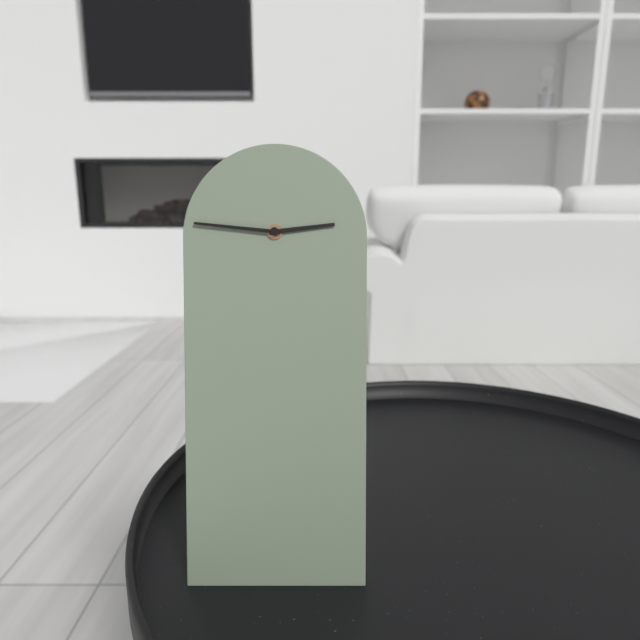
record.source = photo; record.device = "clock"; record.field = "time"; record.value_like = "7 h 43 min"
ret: 2 h 46 min
